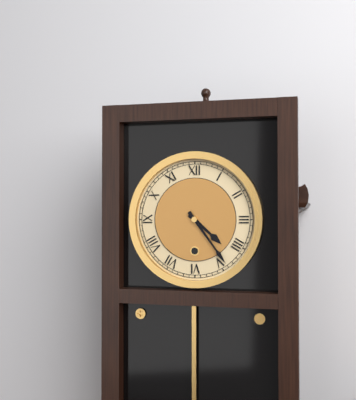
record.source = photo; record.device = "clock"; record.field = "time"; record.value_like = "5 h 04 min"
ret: 4 h 24 min
